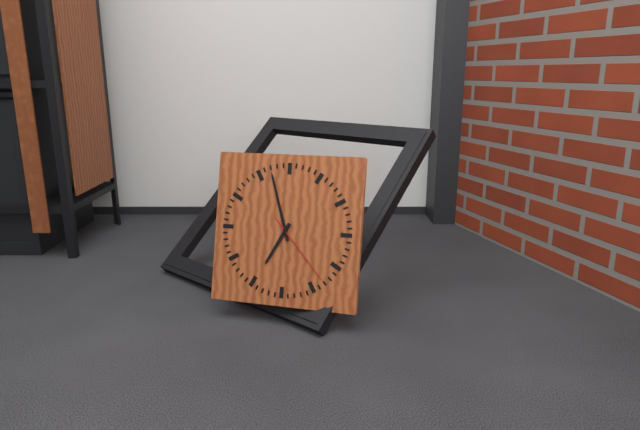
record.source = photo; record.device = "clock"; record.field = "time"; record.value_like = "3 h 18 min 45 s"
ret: 6 h 57 min 23 s
